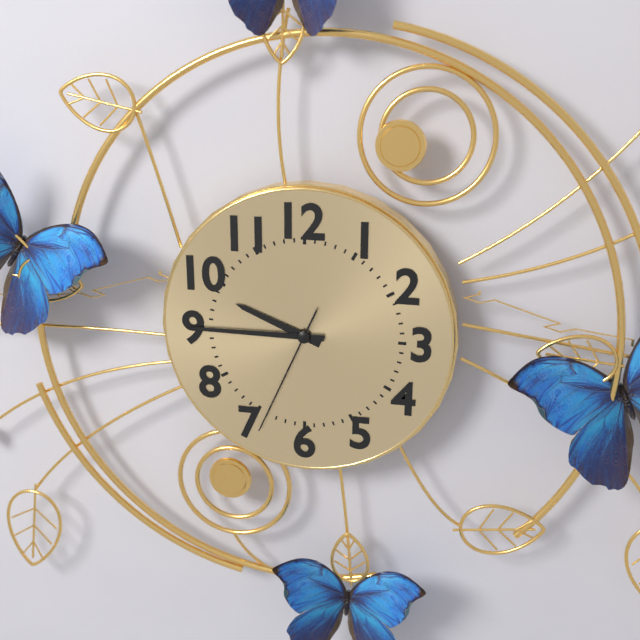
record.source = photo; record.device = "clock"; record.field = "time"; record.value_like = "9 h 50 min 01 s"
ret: 9 h 45 min 34 s
